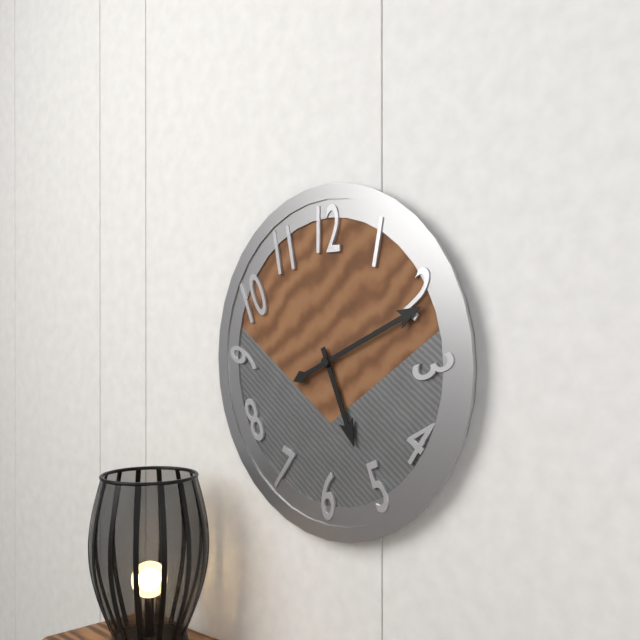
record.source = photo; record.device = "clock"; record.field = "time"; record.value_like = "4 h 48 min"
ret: 5 h 11 min
